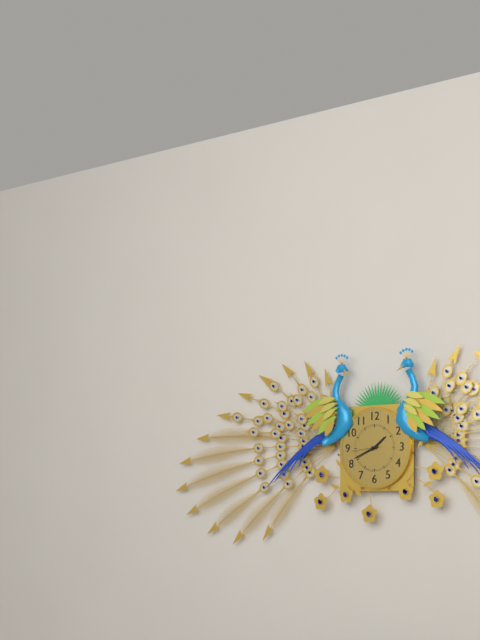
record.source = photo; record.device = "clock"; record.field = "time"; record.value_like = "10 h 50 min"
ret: 1 h 41 min
